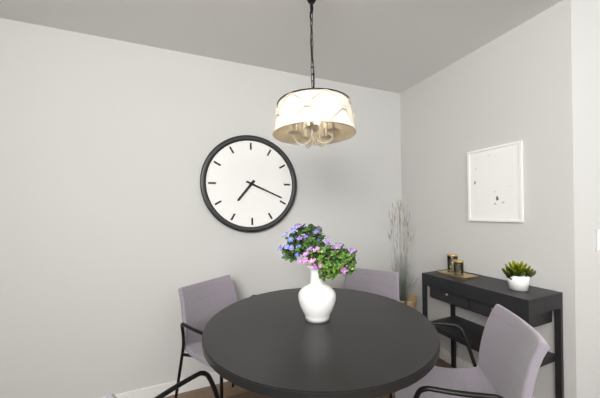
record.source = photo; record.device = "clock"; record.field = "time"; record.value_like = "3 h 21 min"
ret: 7 h 19 min
